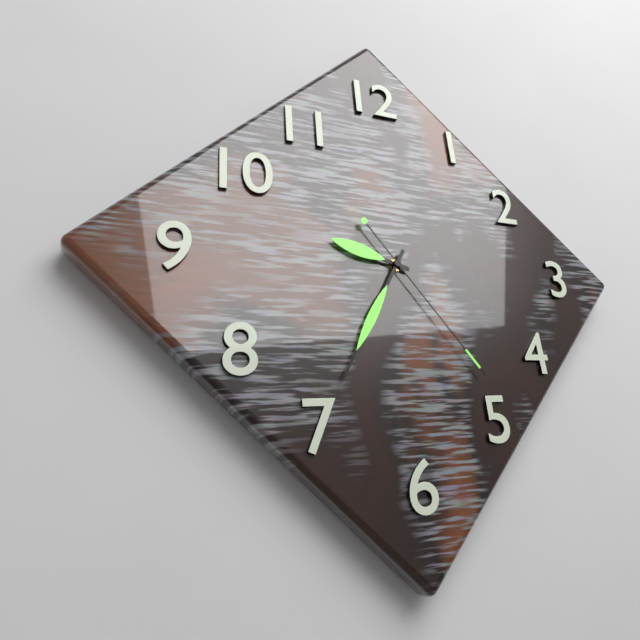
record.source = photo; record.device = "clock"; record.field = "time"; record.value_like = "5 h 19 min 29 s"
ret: 9 h 35 min 24 s
